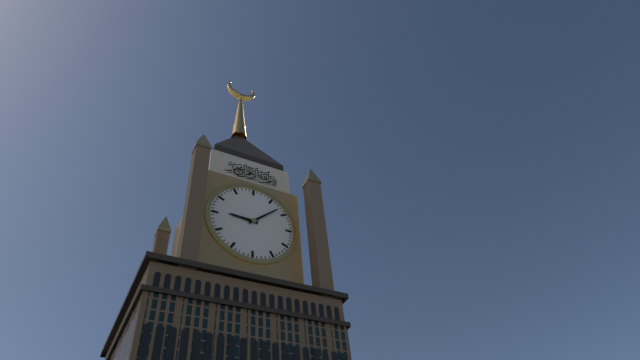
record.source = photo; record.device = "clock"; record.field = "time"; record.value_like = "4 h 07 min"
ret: 9 h 08 min
